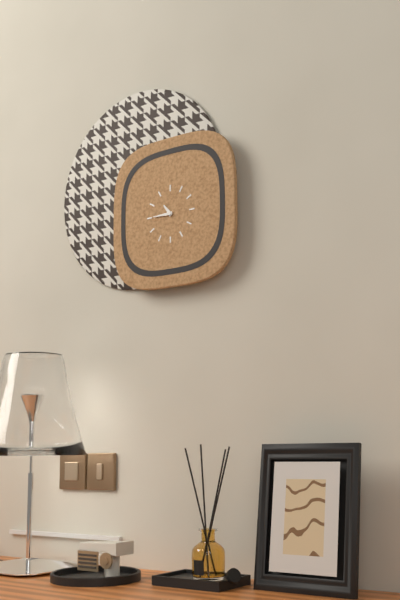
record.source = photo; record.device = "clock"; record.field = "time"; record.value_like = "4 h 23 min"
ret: 10 h 45 min
